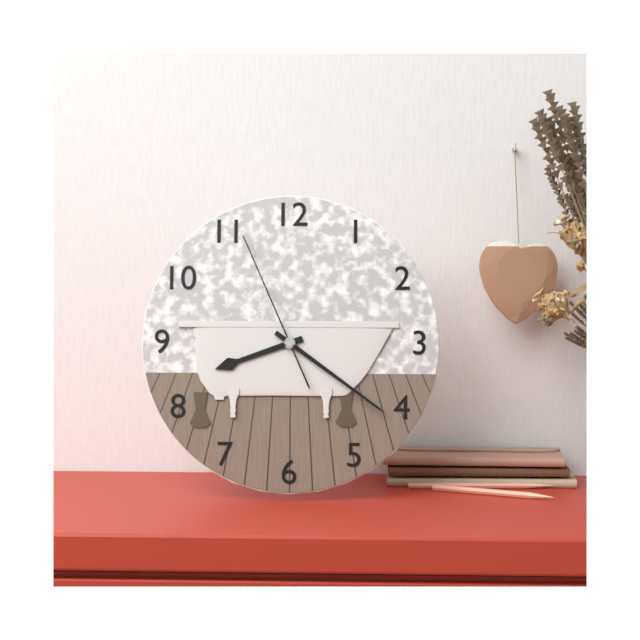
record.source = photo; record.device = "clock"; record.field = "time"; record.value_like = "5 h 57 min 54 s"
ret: 8 h 21 min 56 s
